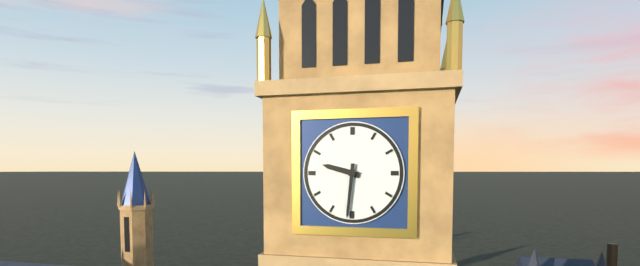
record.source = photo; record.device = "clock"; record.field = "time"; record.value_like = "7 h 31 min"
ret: 9 h 31 min
